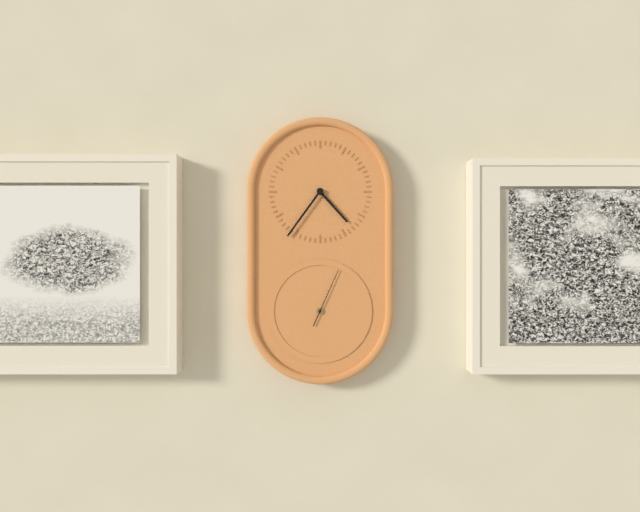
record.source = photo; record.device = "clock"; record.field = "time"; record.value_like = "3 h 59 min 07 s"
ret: 4 h 36 min 04 s
